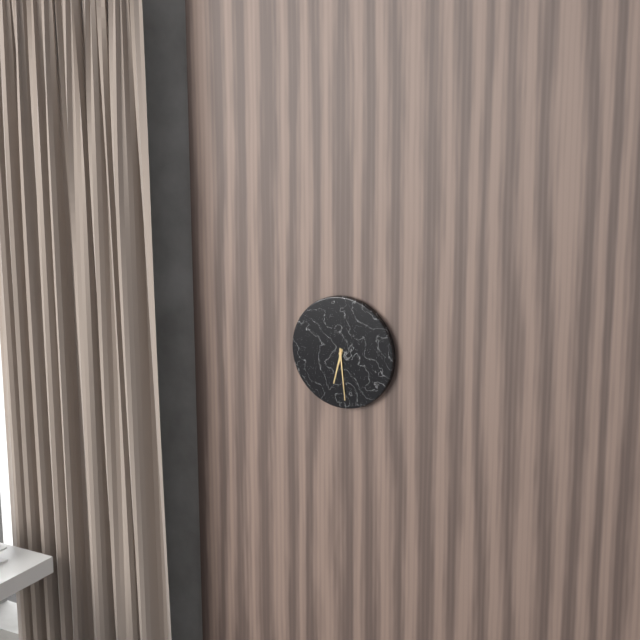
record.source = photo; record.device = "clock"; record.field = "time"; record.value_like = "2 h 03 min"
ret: 6 h 29 min
